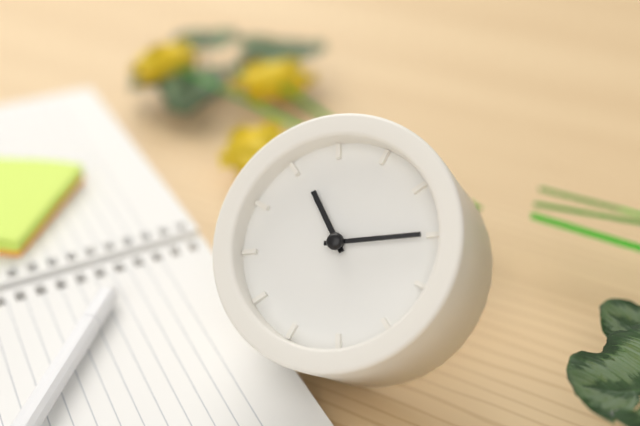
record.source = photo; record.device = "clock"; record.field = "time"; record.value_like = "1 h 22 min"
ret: 10 h 10 min
